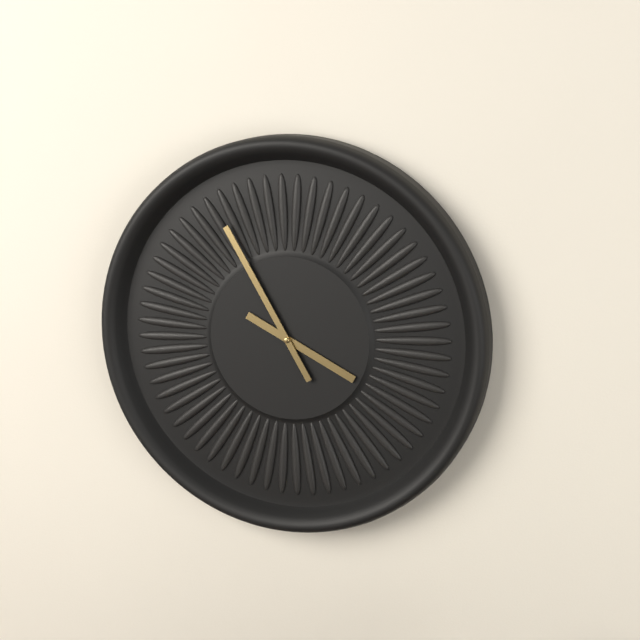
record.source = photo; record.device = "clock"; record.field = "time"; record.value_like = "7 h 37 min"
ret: 3 h 55 min
